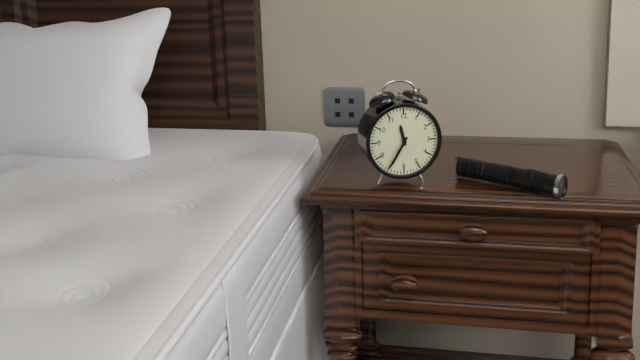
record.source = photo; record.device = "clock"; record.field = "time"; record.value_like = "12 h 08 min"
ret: 11 h 35 min
